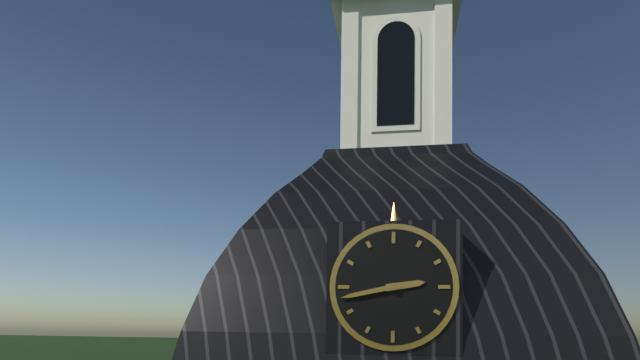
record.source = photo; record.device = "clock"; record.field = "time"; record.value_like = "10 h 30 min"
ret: 2 h 43 min
